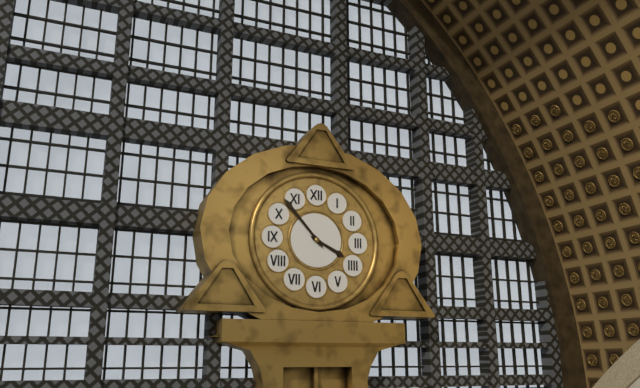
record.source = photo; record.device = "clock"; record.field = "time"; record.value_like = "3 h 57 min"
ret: 3 h 53 min
